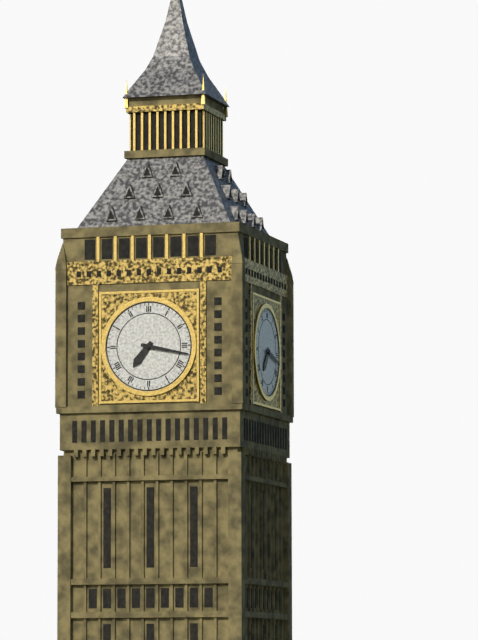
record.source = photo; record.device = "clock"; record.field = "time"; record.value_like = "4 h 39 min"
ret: 7 h 17 min
